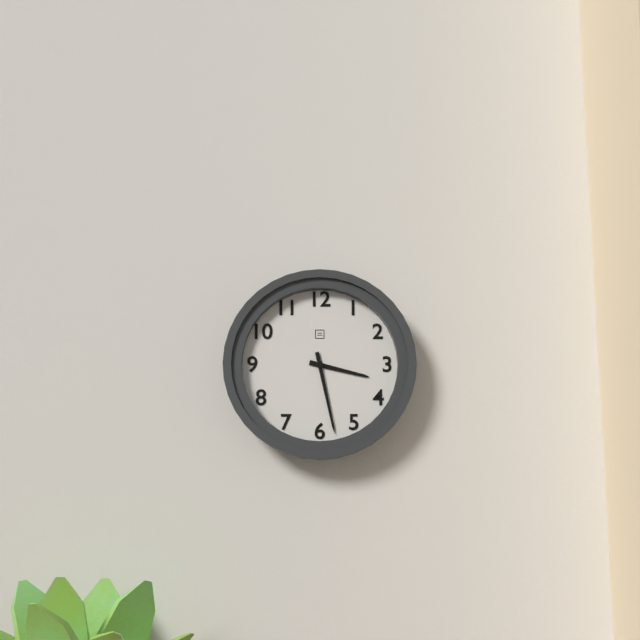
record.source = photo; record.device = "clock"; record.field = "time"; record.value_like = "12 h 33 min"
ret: 3 h 28 min
